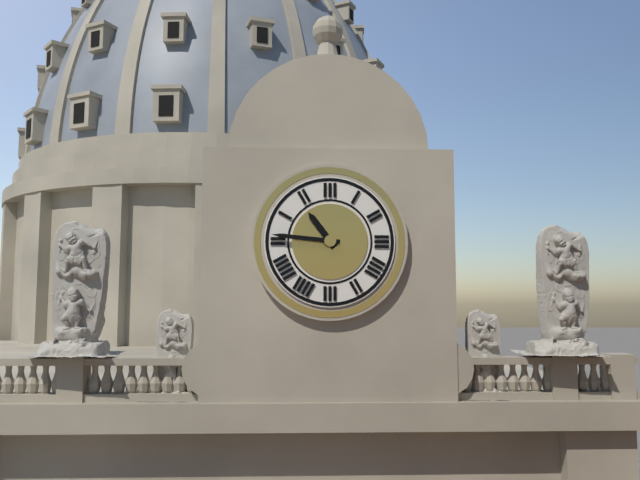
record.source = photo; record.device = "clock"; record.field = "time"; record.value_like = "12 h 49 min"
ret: 10 h 46 min
